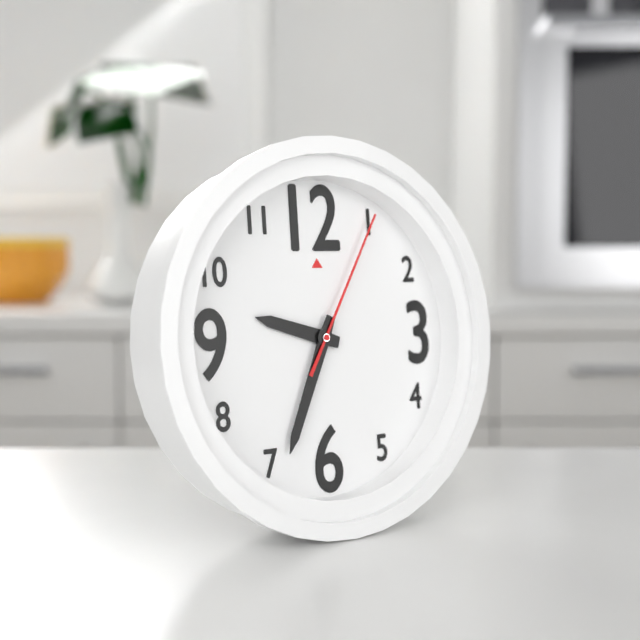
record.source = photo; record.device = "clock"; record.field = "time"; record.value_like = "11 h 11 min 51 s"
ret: 9 h 34 min 05 s
